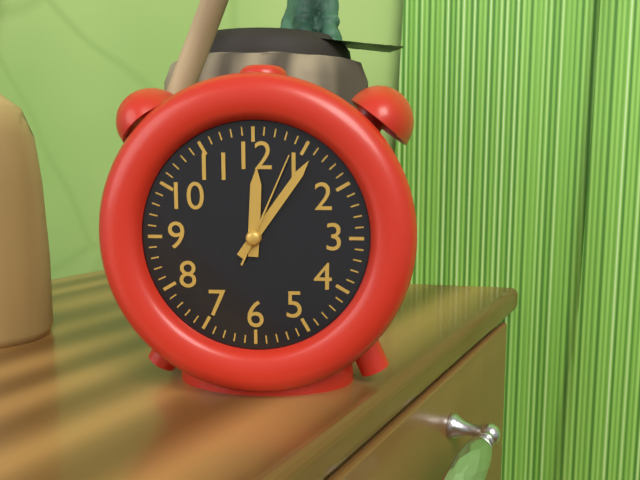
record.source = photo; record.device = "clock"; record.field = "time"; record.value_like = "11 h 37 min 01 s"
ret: 12 h 06 min 04 s
